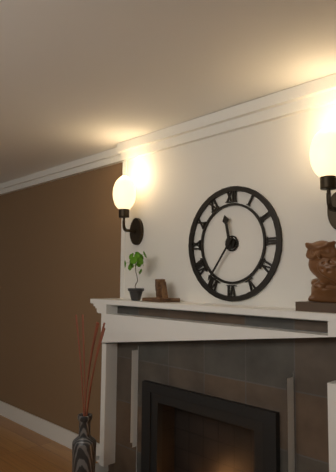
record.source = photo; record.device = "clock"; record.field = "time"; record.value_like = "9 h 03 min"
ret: 11 h 36 min
